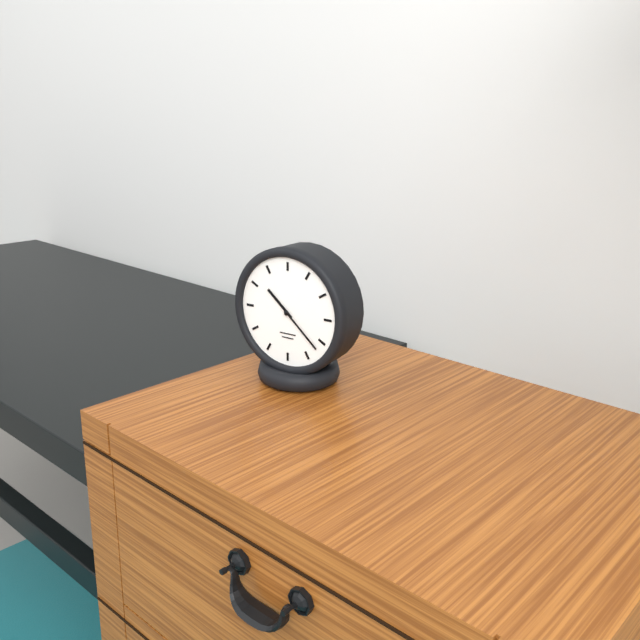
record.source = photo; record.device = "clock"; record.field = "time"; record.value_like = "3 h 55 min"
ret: 10 h 22 min
